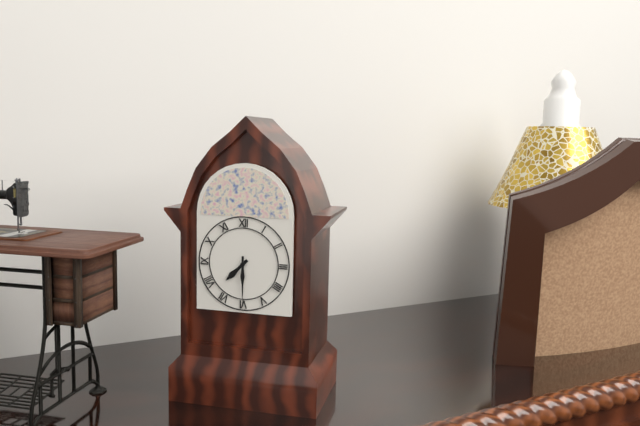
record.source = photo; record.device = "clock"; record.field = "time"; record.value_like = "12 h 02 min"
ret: 7 h 30 min
